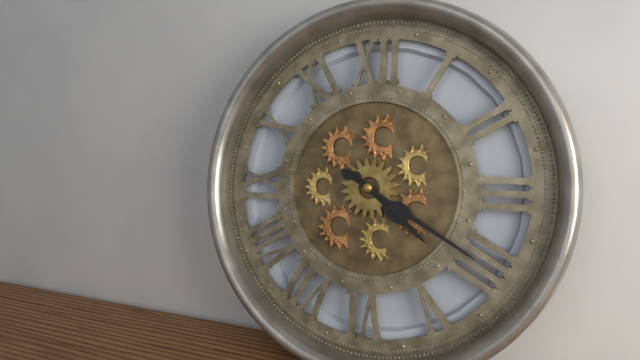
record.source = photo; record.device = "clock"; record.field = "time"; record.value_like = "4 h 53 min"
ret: 4 h 20 min
